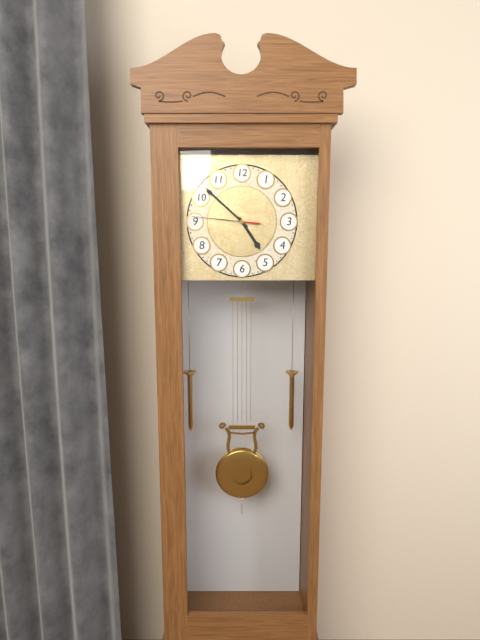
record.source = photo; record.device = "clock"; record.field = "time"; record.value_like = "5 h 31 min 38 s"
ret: 4 h 52 min 46 s
